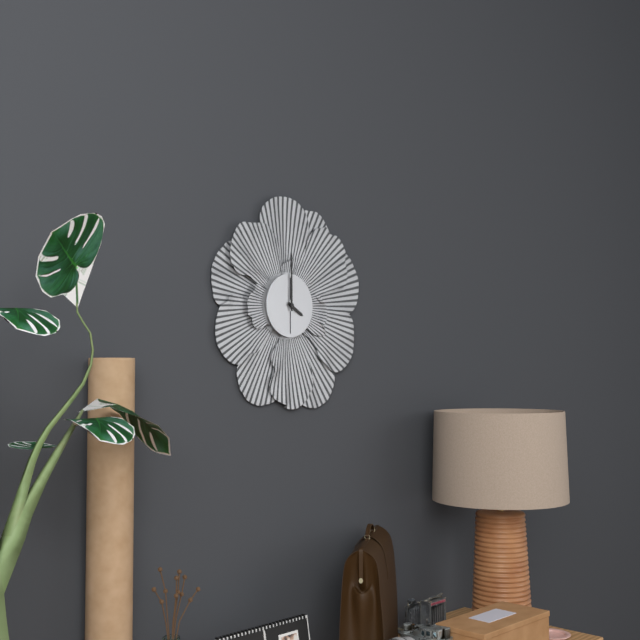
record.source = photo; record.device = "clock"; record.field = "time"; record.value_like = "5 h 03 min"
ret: 4 h 00 min
